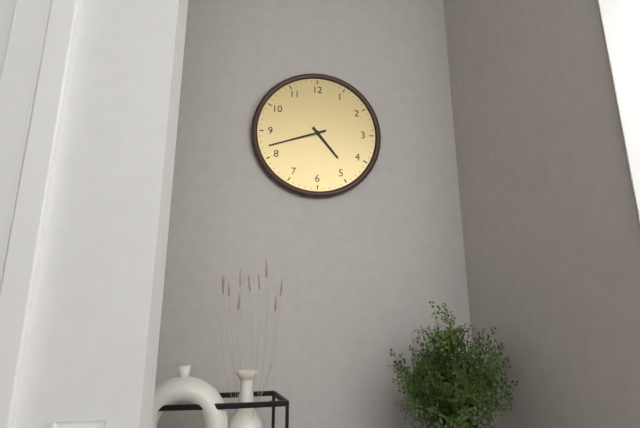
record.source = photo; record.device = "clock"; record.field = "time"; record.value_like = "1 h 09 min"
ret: 4 h 42 min
